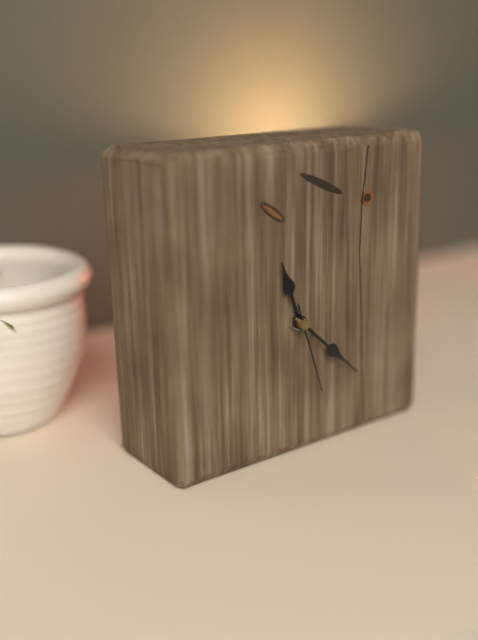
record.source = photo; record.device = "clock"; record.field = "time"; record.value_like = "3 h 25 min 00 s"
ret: 11 h 22 min 27 s
